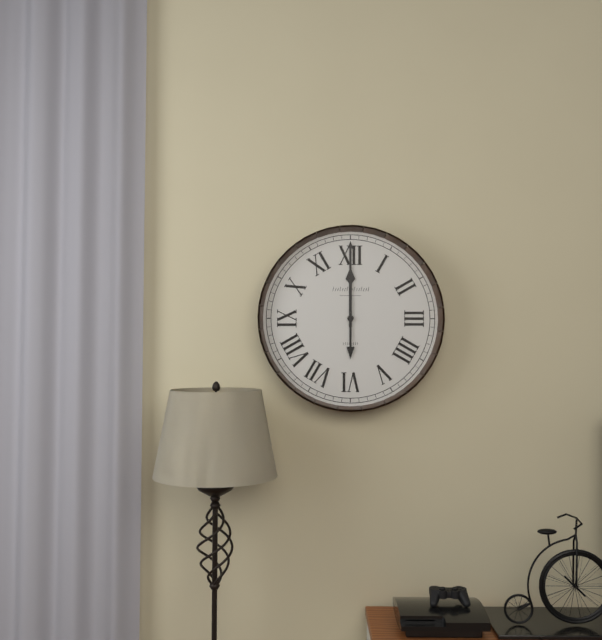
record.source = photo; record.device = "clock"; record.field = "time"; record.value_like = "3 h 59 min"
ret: 12 h 00 min
